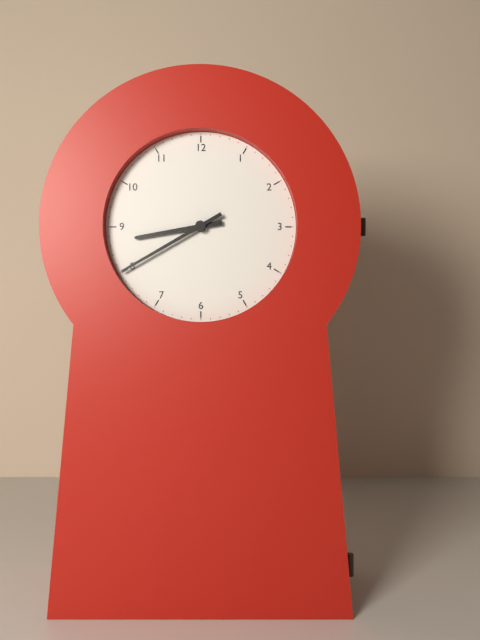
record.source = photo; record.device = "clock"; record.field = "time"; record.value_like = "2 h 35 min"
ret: 8 h 40 min
